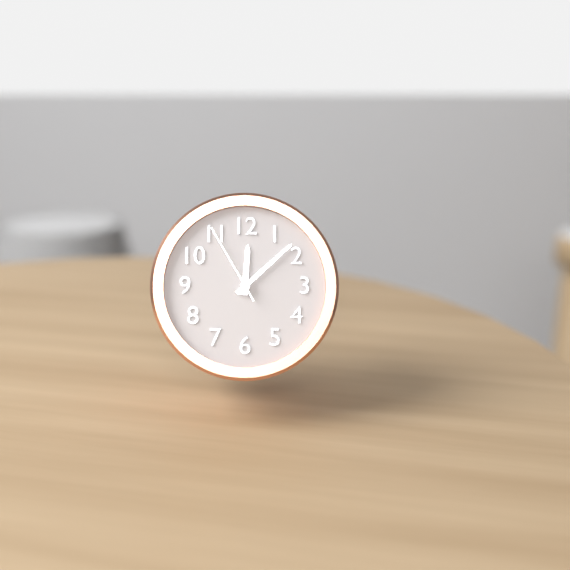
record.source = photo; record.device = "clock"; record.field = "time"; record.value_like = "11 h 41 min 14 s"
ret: 12 h 08 min 55 s
